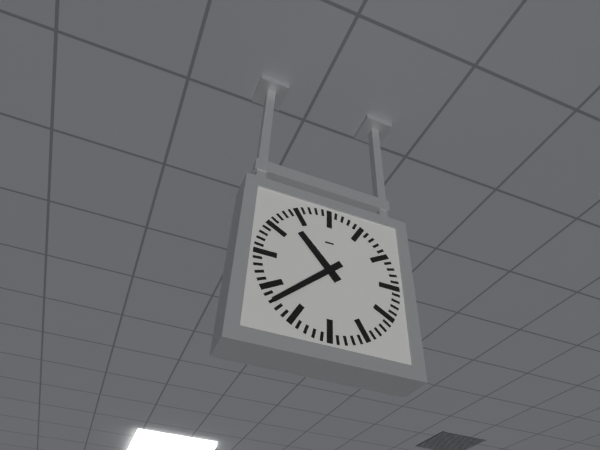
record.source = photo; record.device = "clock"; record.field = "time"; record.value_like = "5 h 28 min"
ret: 10 h 38 min
